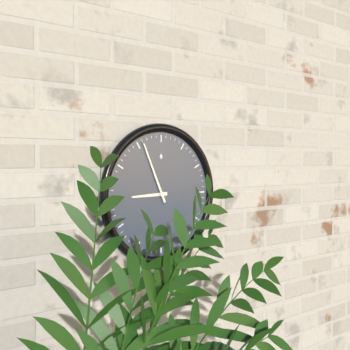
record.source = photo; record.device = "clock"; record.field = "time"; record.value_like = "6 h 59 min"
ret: 8 h 56 min
